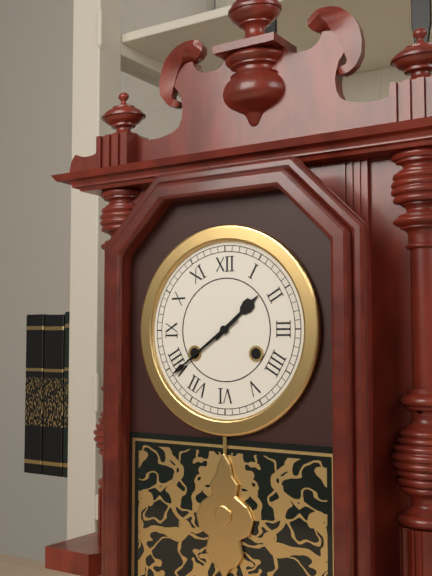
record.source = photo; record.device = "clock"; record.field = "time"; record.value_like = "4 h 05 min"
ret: 1 h 39 min
